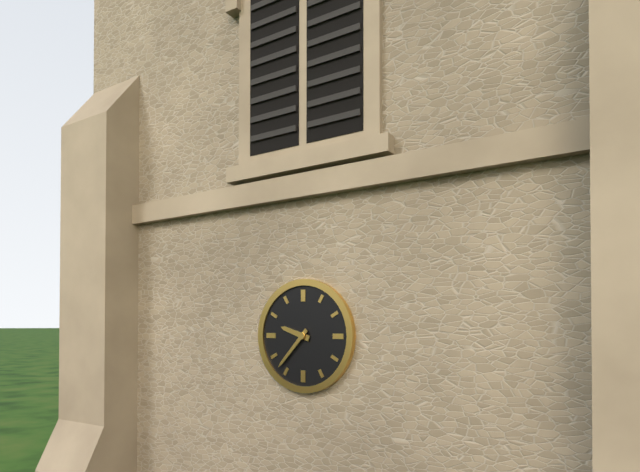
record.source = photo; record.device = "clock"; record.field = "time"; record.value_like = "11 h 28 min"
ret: 9 h 37 min
